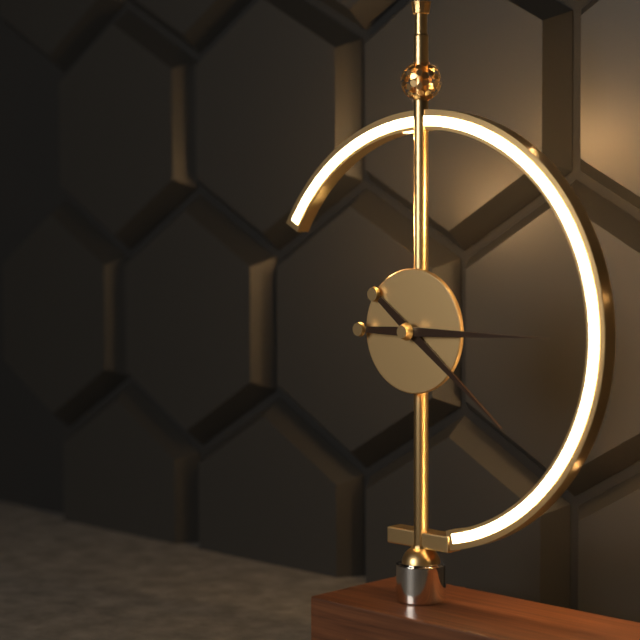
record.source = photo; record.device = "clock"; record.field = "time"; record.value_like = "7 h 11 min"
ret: 4 h 15 min
